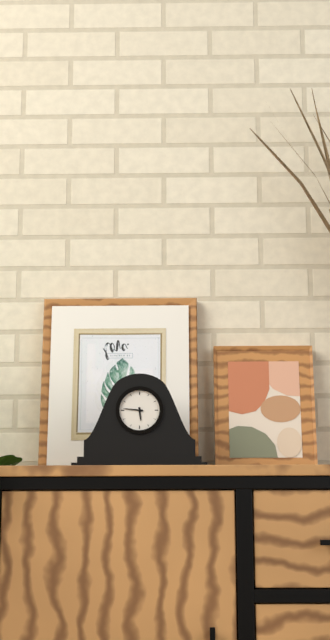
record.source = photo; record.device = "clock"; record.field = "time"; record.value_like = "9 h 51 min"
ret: 5 h 46 min
